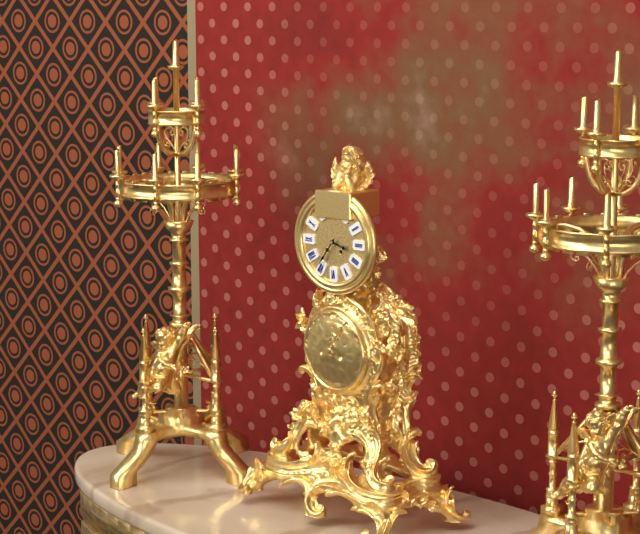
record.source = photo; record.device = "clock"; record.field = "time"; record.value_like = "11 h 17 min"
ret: 3 h 36 min
